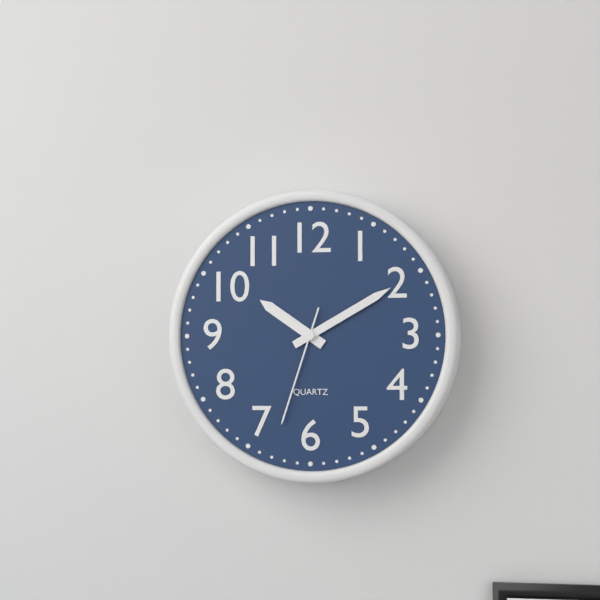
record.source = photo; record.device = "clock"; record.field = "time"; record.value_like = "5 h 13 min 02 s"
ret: 10 h 10 min 33 s
